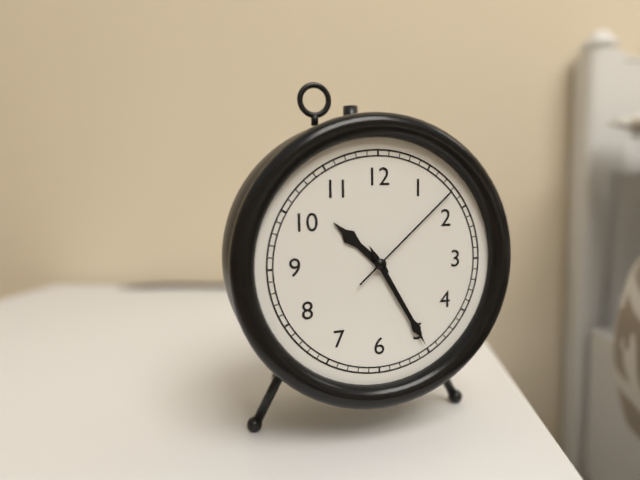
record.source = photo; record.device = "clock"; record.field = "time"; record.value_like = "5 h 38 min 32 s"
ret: 10 h 25 min 08 s
